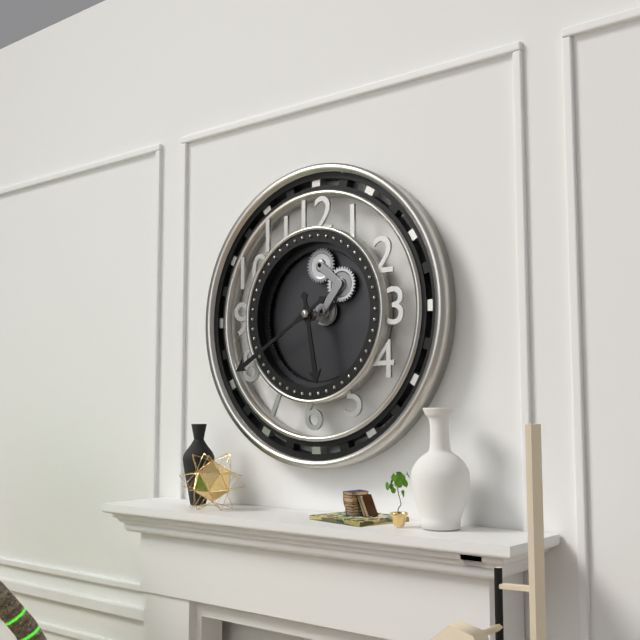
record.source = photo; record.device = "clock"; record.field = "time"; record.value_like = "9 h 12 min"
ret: 5 h 40 min
